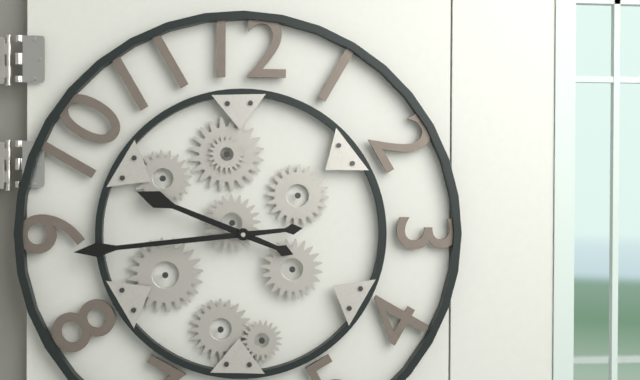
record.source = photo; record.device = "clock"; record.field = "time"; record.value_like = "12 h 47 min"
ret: 9 h 44 min
